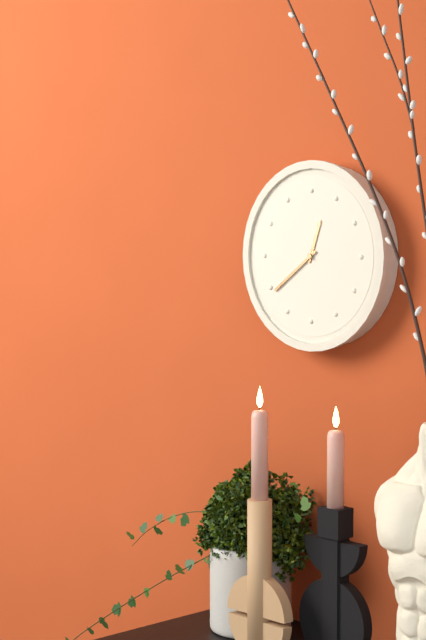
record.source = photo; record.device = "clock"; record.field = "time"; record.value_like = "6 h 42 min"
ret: 12 h 39 min
